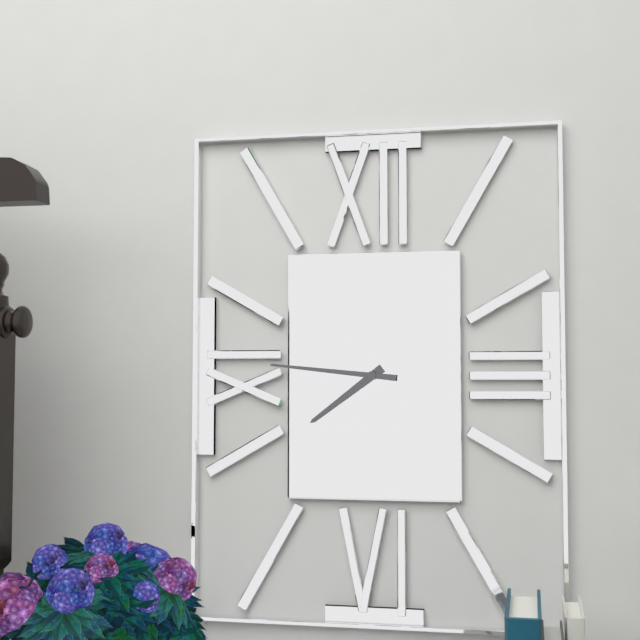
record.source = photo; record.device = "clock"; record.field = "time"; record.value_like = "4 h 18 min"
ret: 7 h 46 min
